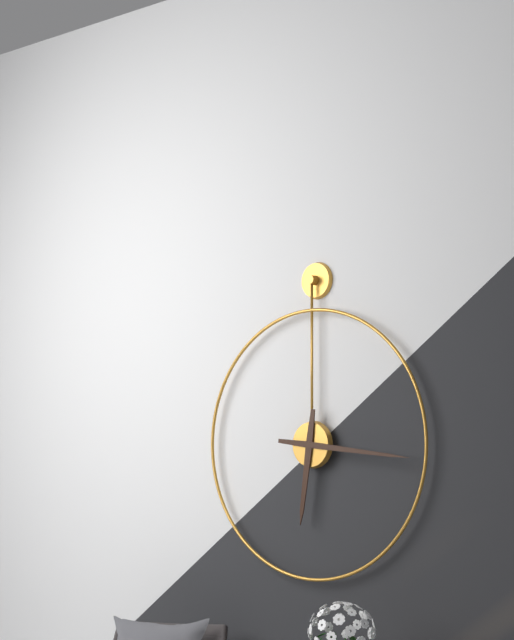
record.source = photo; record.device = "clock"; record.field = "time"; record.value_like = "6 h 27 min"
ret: 6 h 16 min
